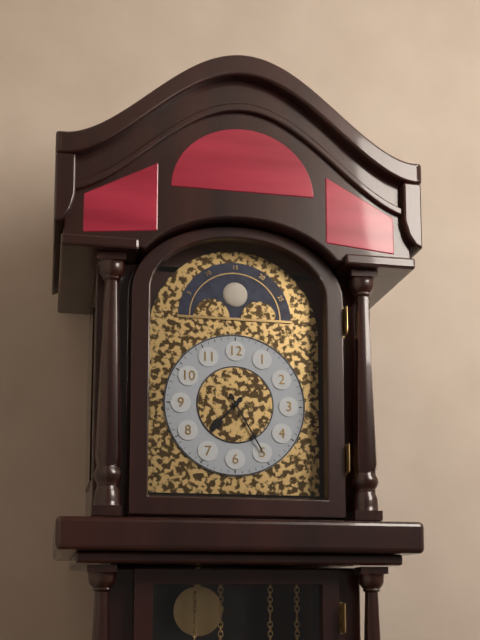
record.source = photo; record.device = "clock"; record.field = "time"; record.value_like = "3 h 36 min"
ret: 7 h 25 min
